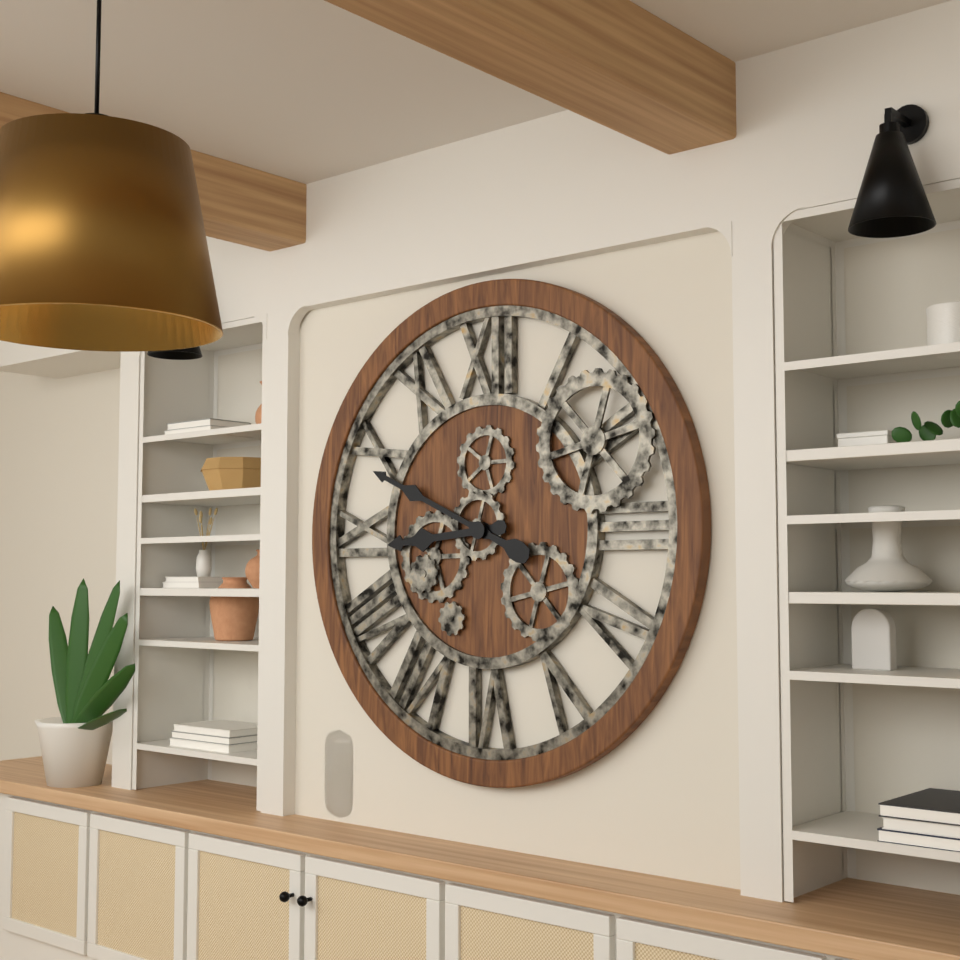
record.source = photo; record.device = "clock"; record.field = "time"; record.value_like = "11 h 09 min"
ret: 8 h 49 min
